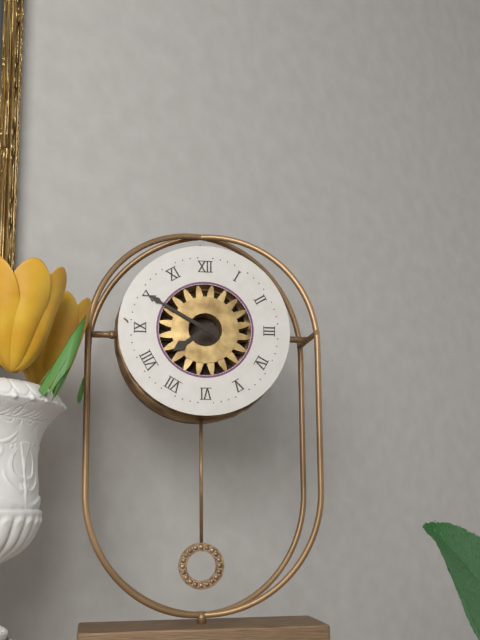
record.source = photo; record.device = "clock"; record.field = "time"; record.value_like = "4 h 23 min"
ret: 7 h 50 min
